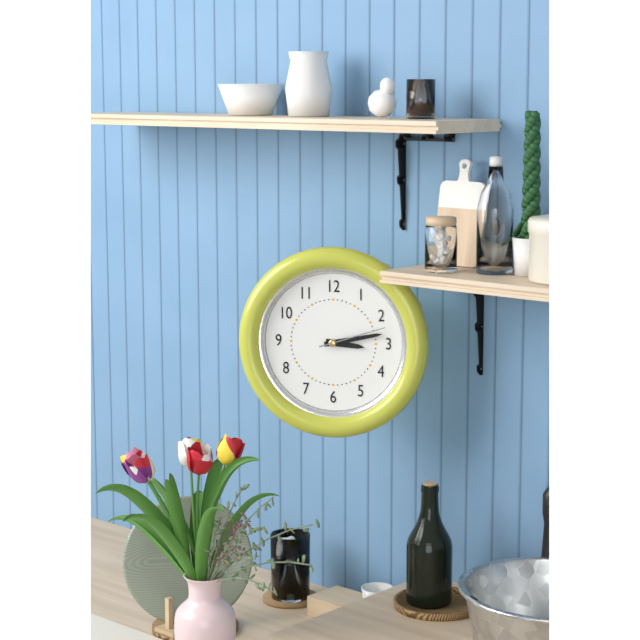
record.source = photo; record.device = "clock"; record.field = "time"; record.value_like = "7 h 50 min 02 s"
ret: 3 h 13 min 12 s
